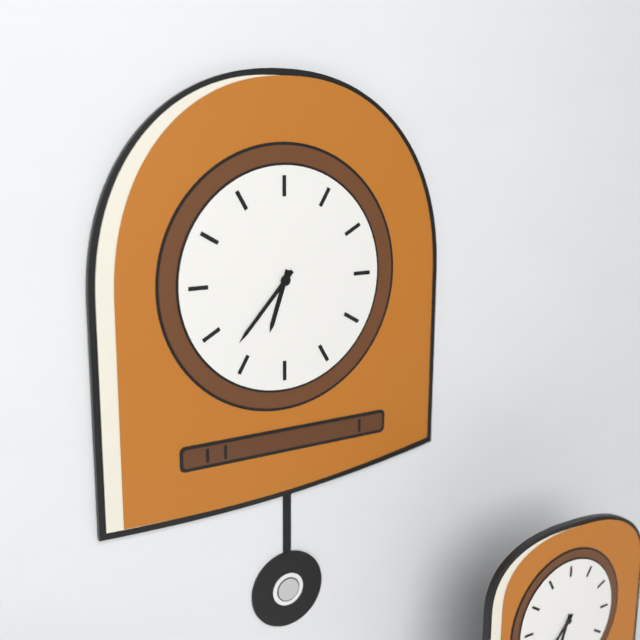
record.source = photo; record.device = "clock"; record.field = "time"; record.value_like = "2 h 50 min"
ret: 6 h 37 min
